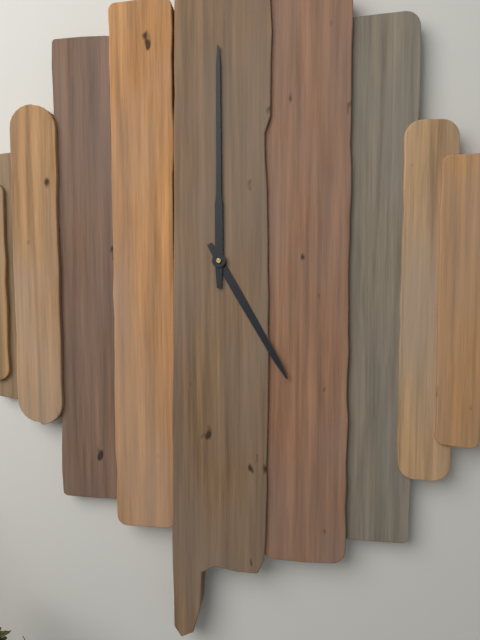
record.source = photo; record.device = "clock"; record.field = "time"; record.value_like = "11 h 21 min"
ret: 5 h 00 min
